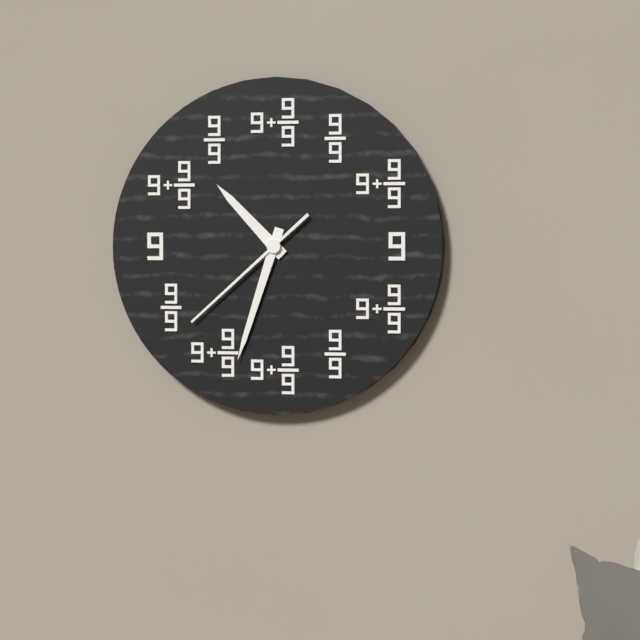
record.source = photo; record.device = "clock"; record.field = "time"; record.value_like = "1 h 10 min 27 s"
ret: 10 h 33 min 38 s
